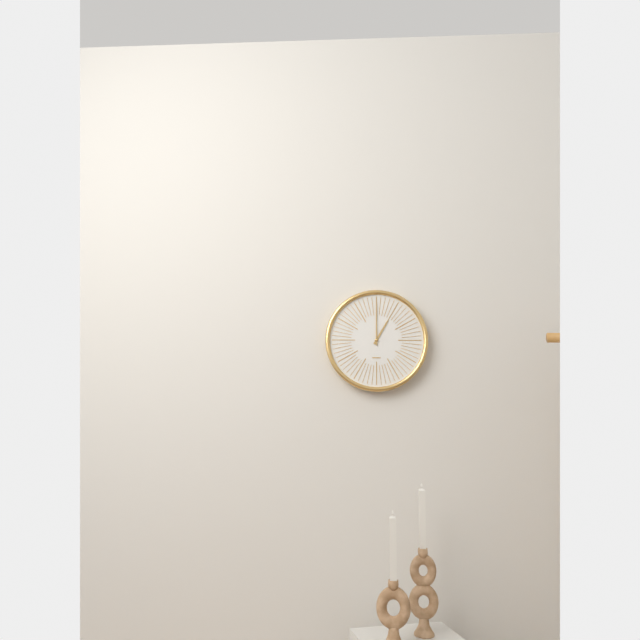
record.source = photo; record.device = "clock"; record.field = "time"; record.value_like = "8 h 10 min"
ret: 1 h 00 min
